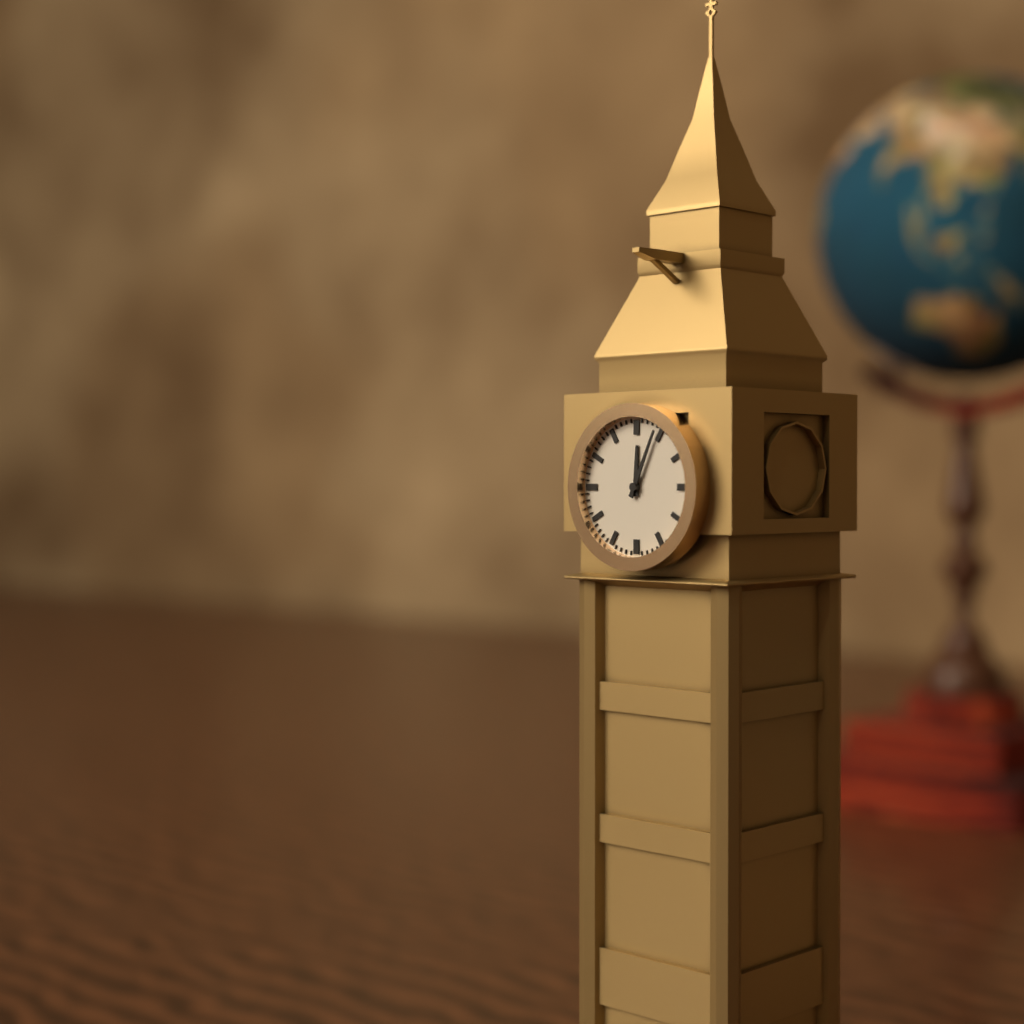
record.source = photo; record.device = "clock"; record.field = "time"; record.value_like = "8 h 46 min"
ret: 12 h 04 min
